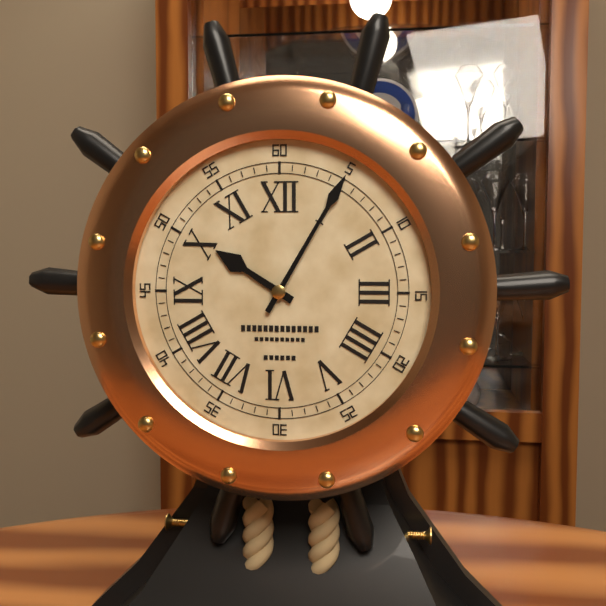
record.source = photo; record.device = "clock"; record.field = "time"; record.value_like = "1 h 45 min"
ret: 10 h 05 min
